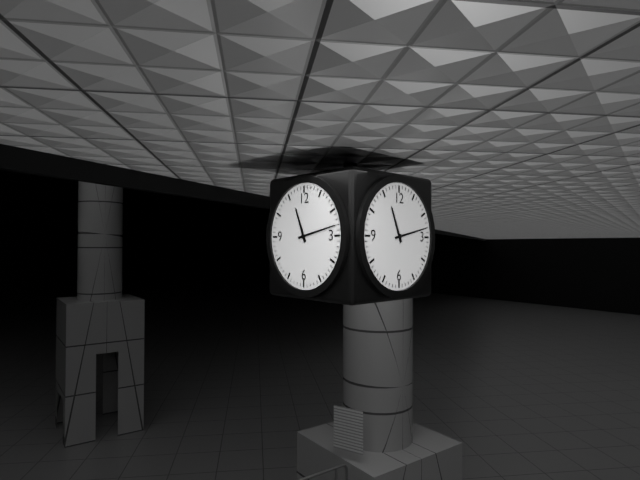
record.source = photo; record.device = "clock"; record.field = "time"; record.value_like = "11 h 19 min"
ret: 11 h 13 min
